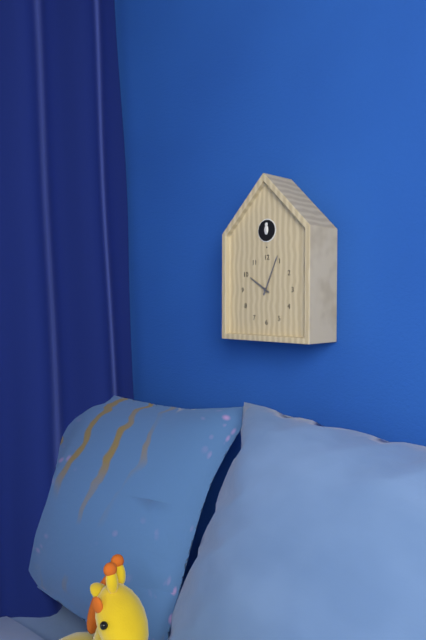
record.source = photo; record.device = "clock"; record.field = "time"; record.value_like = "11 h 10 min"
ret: 10 h 04 min
